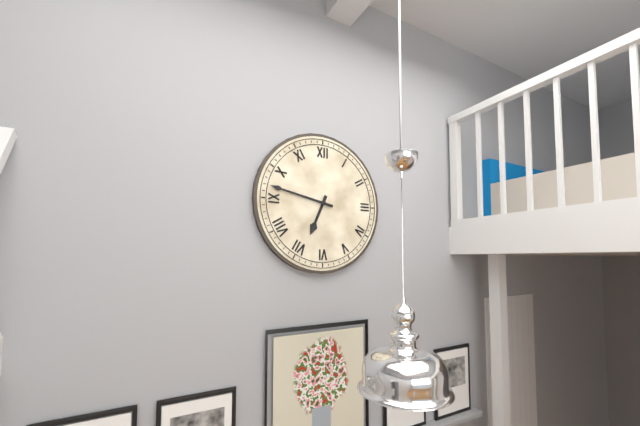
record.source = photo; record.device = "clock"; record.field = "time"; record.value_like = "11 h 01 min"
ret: 6 h 47 min
